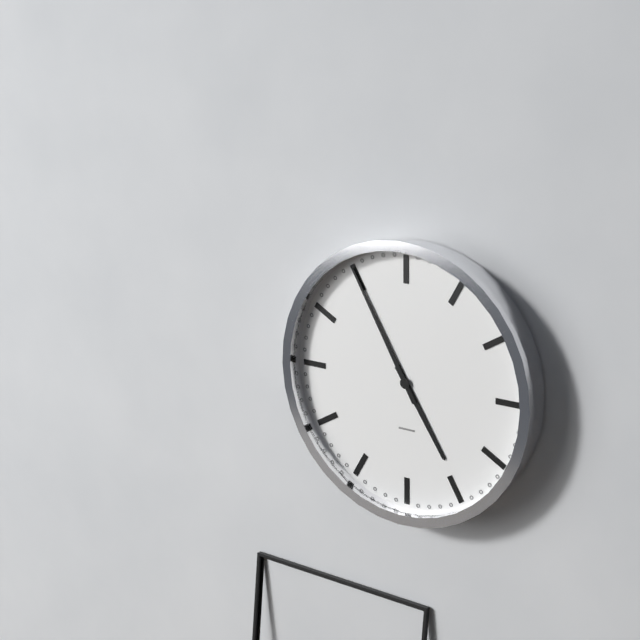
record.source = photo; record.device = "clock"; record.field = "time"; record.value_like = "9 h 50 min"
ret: 4 h 55 min
